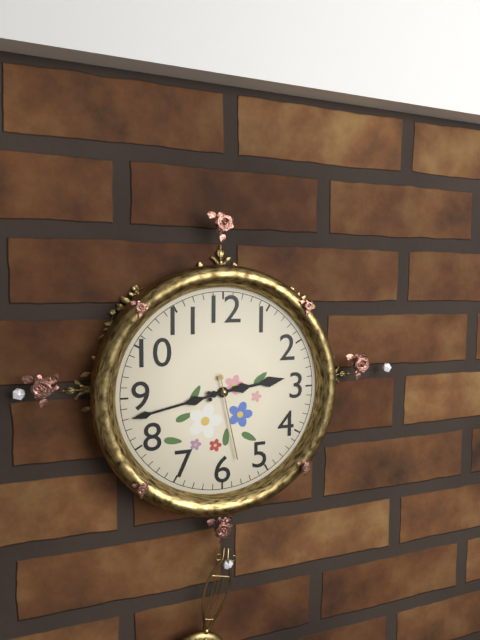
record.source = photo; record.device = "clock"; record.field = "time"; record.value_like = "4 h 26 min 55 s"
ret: 2 h 43 min 28 s
